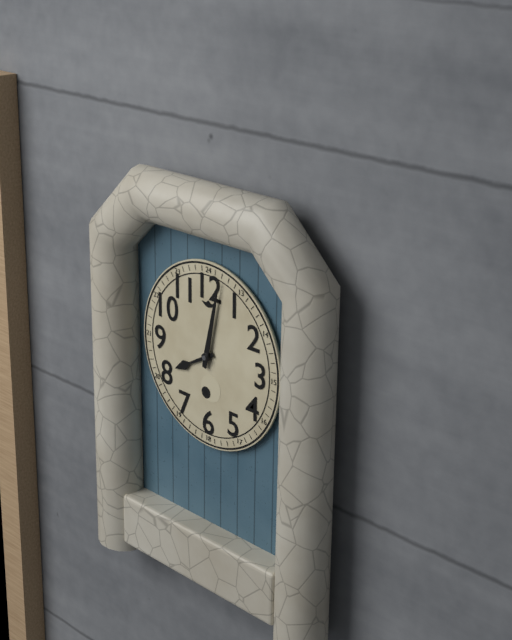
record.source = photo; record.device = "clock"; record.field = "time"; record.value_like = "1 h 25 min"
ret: 8 h 02 min
